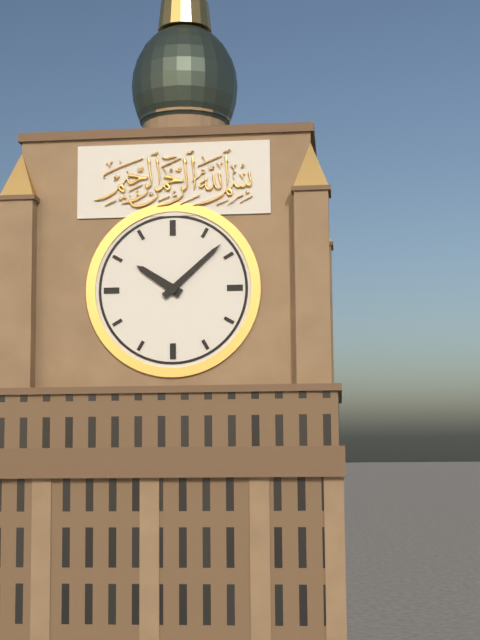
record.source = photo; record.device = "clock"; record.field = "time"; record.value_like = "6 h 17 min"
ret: 10 h 08 min
